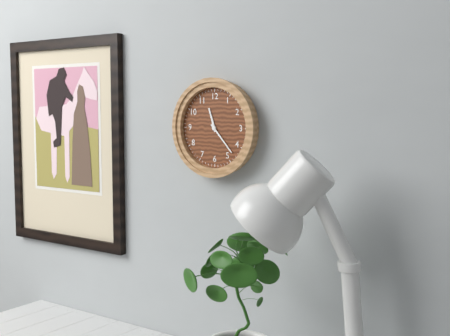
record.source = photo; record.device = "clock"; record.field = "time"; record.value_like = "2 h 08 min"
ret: 11 h 23 min
